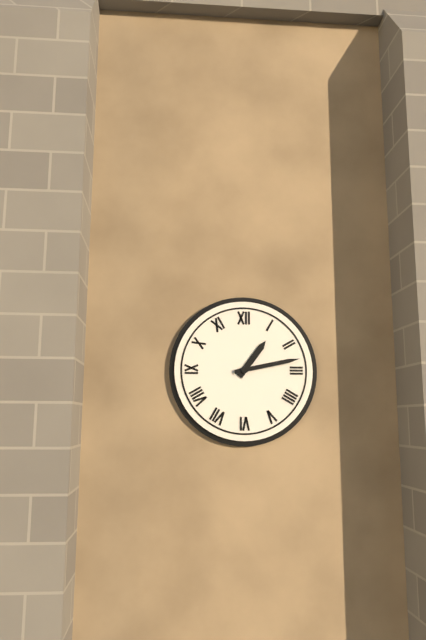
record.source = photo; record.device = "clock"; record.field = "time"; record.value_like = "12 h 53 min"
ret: 1 h 13 min
